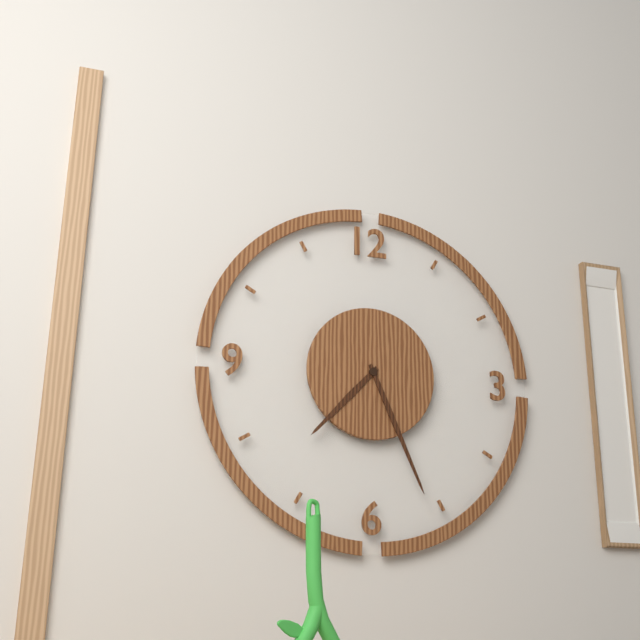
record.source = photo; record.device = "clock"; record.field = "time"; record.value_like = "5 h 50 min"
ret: 7 h 26 min
